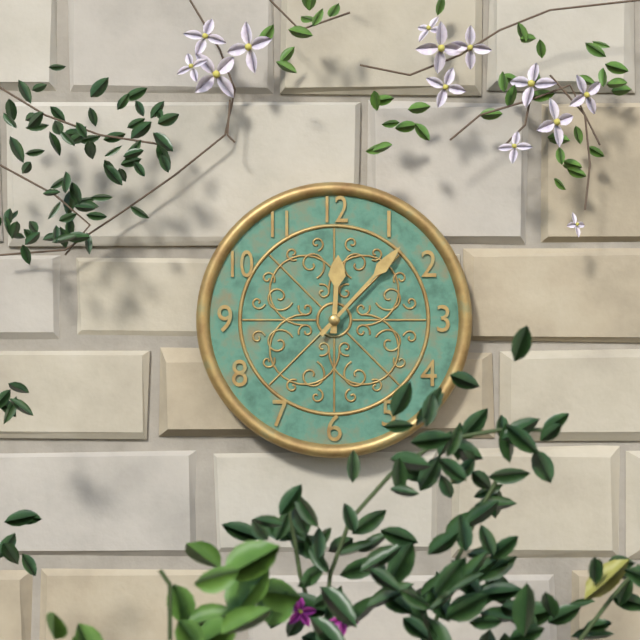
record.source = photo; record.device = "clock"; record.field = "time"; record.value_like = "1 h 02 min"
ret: 12 h 07 min
